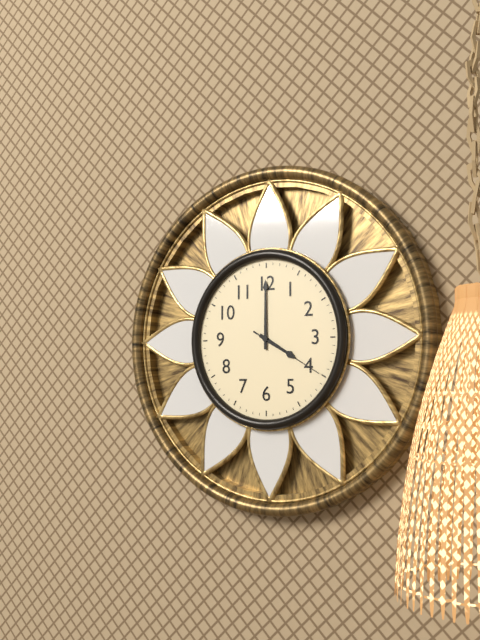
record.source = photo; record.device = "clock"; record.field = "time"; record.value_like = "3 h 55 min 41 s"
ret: 4 h 00 min 20 s
